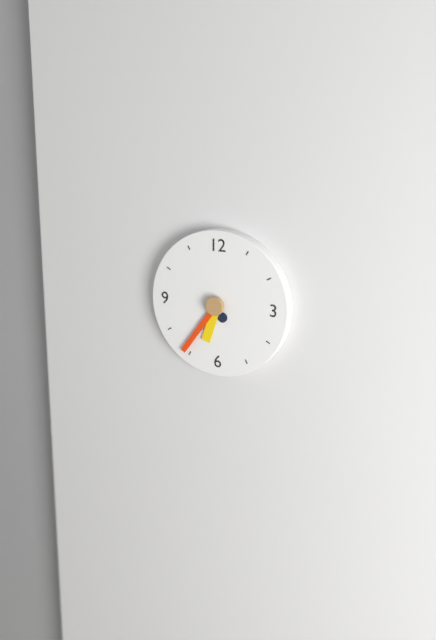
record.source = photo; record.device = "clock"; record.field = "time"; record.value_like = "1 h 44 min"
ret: 6 h 36 min
